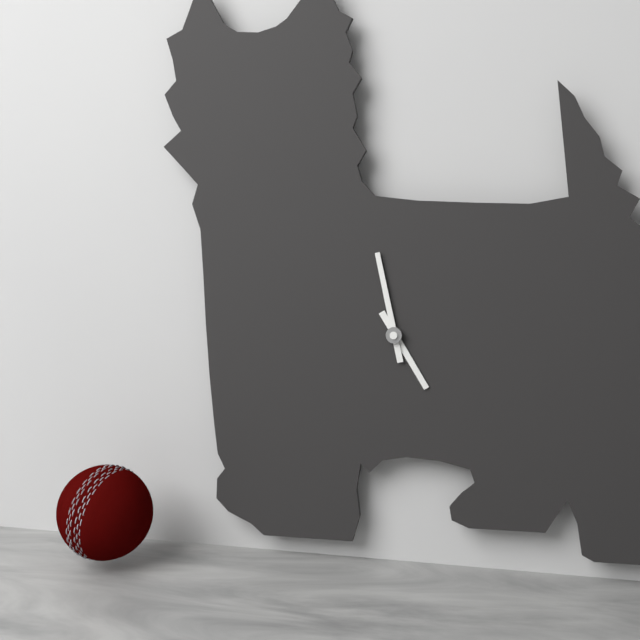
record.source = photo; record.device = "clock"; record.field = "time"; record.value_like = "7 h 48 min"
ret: 4 h 58 min
